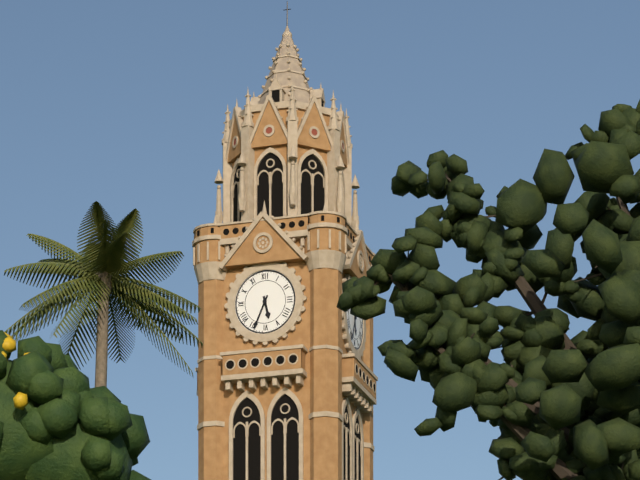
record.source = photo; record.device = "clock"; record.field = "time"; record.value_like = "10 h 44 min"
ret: 5 h 34 min
